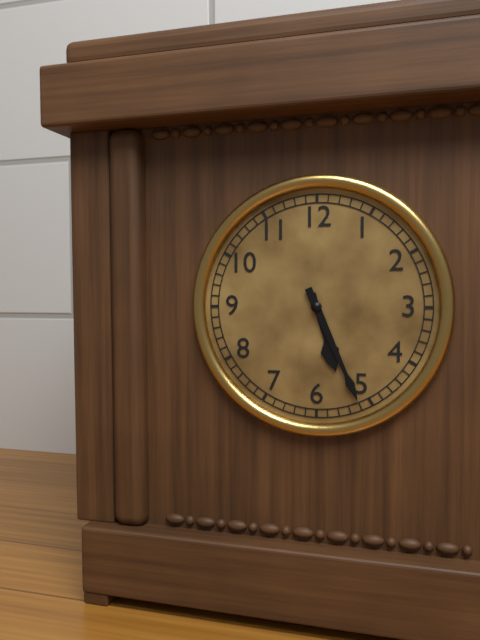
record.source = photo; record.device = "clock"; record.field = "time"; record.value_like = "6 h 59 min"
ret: 5 h 26 min
